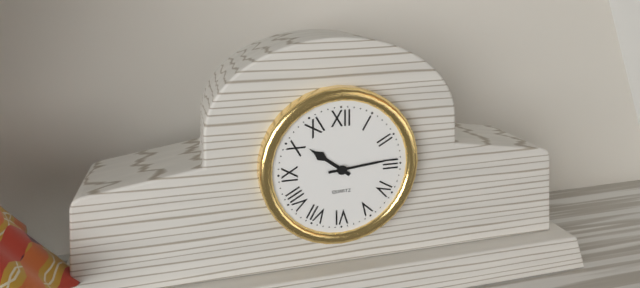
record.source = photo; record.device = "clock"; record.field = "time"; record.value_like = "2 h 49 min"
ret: 10 h 14 min
